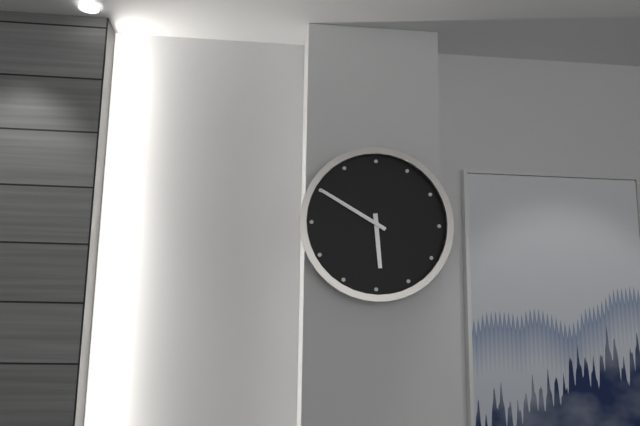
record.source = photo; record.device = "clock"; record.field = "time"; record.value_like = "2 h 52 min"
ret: 5 h 50 min
